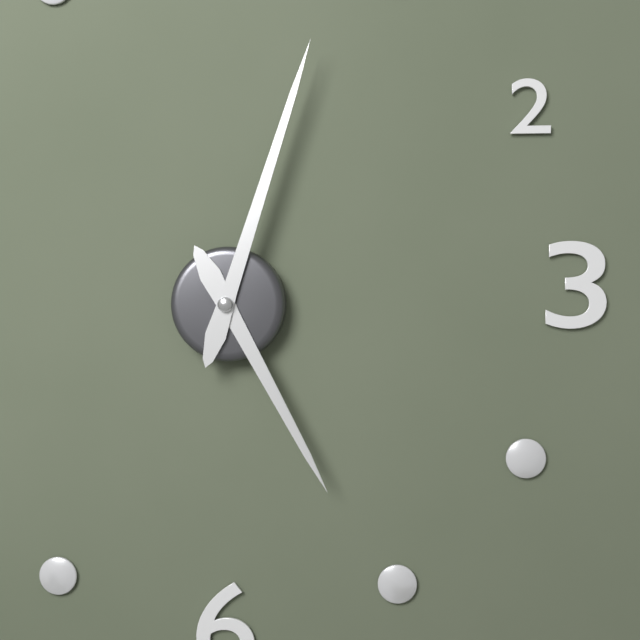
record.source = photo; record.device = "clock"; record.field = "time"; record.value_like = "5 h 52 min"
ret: 5 h 03 min
